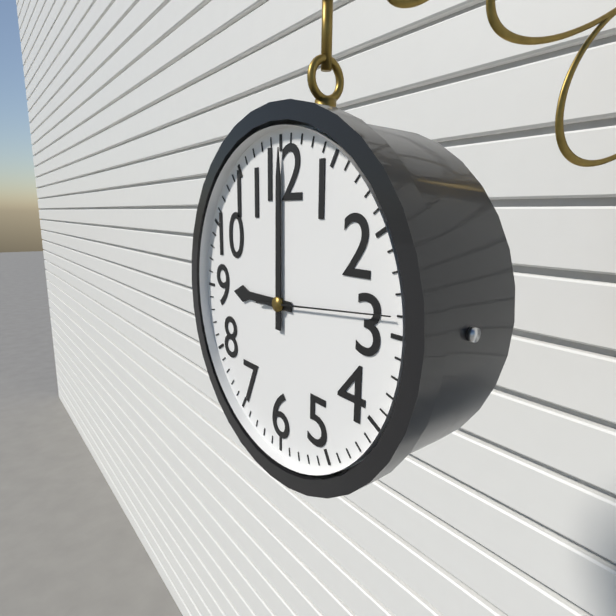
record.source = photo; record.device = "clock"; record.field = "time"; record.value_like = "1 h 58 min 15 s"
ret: 9 h 00 min 14 s
